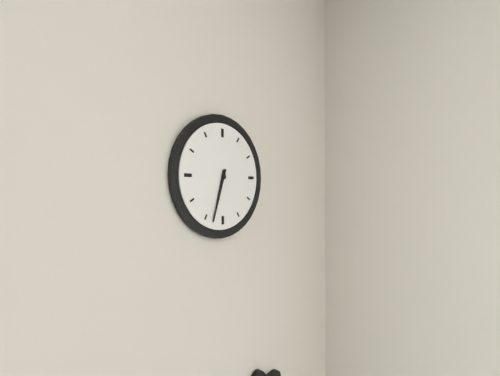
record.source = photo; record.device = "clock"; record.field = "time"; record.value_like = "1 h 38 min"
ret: 6 h 33 min
